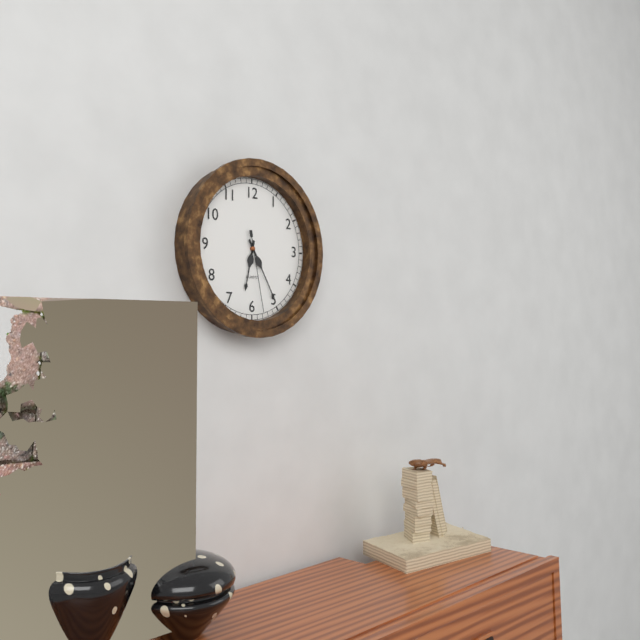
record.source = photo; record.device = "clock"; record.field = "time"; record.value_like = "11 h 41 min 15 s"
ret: 6 h 25 min 28 s
